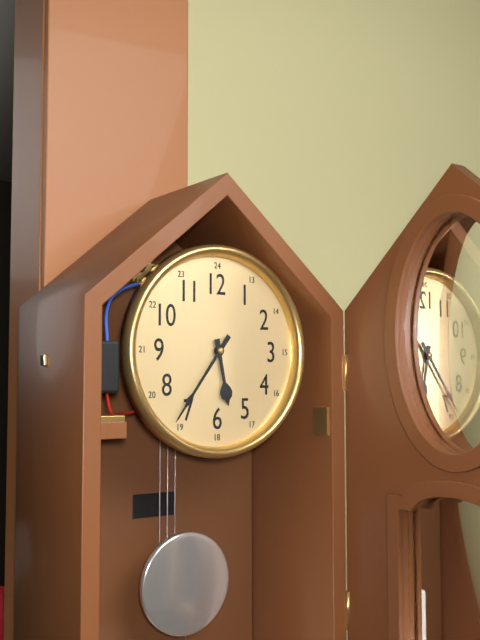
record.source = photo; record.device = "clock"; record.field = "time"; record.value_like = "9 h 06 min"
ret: 5 h 36 min
